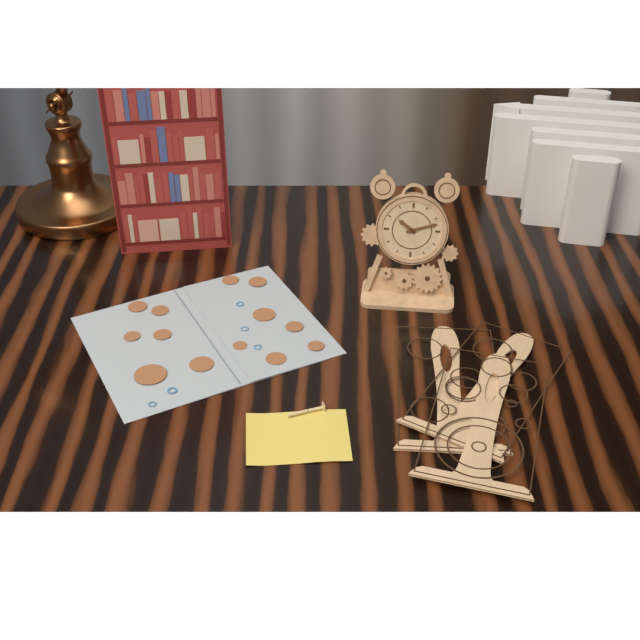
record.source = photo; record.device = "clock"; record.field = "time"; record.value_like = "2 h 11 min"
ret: 10 h 12 min
